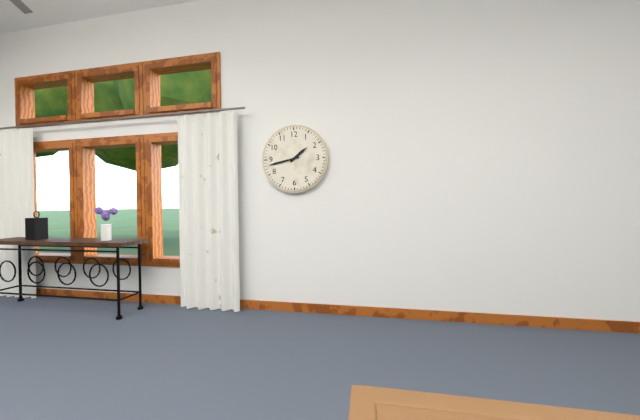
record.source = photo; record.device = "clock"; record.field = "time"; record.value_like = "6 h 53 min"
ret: 1 h 43 min
